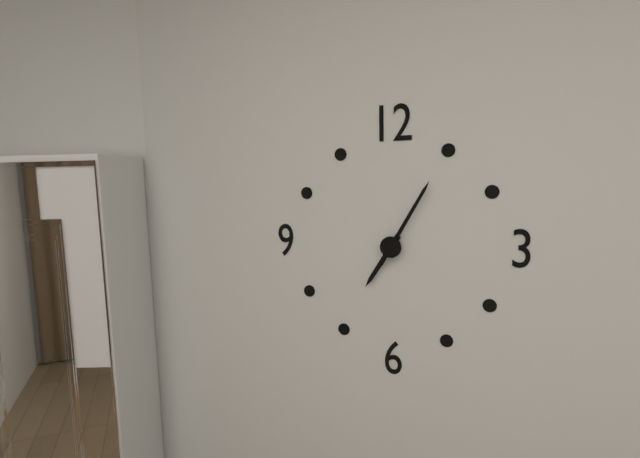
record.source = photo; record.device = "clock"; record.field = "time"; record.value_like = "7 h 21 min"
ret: 7 h 05 min
